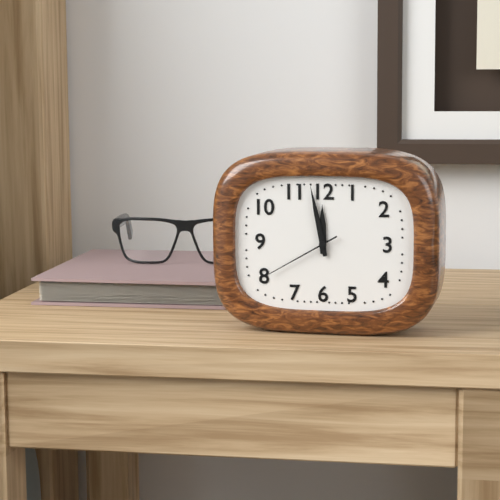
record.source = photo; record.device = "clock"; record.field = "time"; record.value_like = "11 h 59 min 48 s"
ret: 11 h 58 min 40 s
